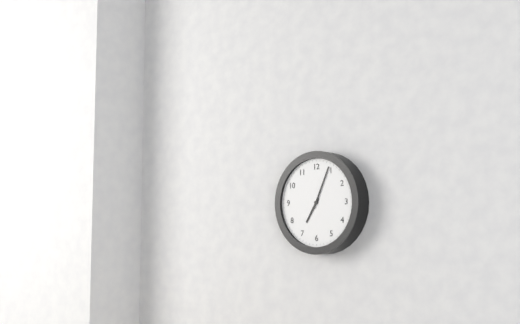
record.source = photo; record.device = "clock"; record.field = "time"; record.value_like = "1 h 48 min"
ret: 7 h 04 min
